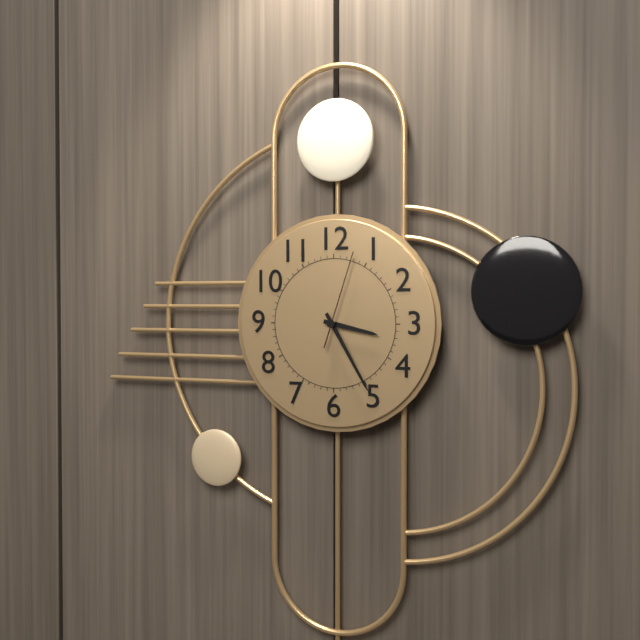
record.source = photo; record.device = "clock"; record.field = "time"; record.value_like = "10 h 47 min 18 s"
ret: 3 h 25 min 03 s
